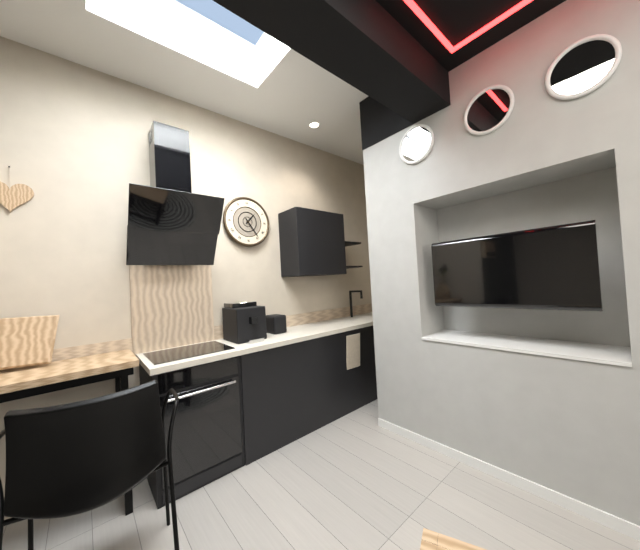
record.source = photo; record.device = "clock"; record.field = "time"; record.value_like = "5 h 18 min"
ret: 1 h 24 min
